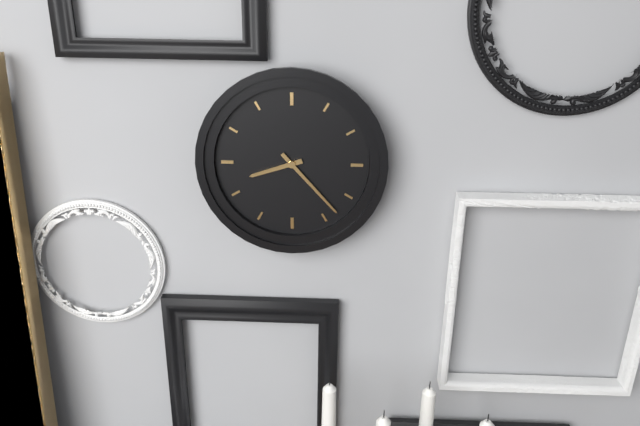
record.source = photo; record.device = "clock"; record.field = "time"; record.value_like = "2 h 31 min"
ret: 8 h 23 min
